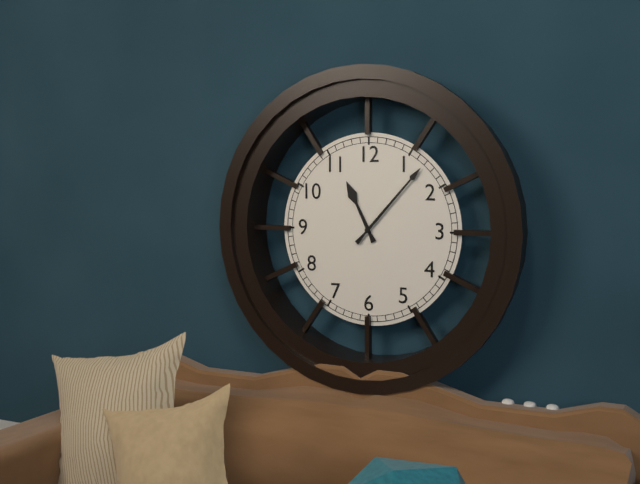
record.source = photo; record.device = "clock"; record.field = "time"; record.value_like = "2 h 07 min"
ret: 11 h 07 min
